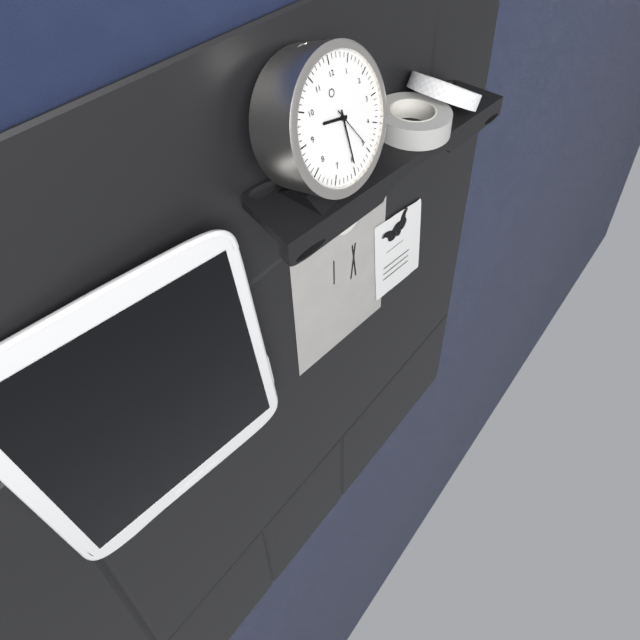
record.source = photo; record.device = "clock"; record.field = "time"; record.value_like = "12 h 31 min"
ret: 9 h 30 min
